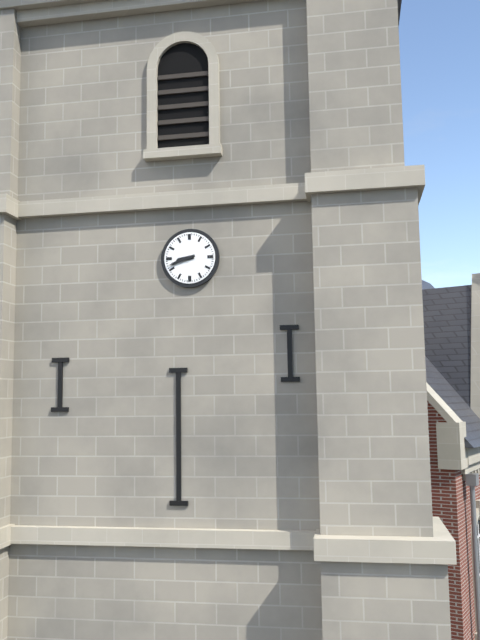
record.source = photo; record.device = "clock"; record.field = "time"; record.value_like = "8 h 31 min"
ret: 8 h 42 min
